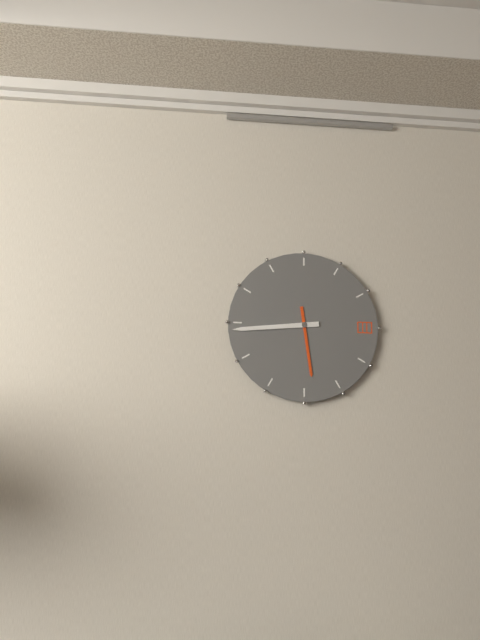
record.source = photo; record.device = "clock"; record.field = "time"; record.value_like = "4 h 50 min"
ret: 5 h 44 min
